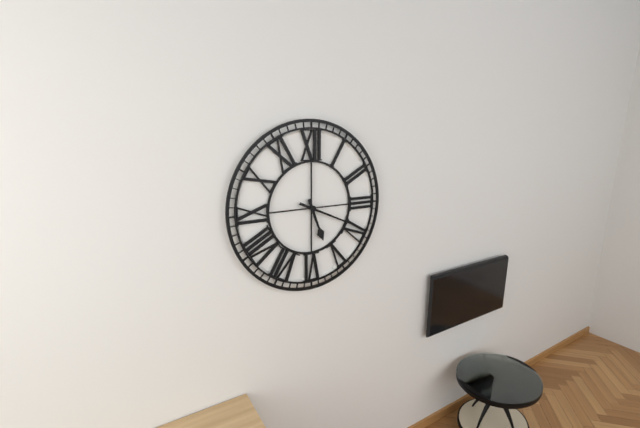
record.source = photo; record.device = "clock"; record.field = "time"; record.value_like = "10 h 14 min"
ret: 5 h 19 min
